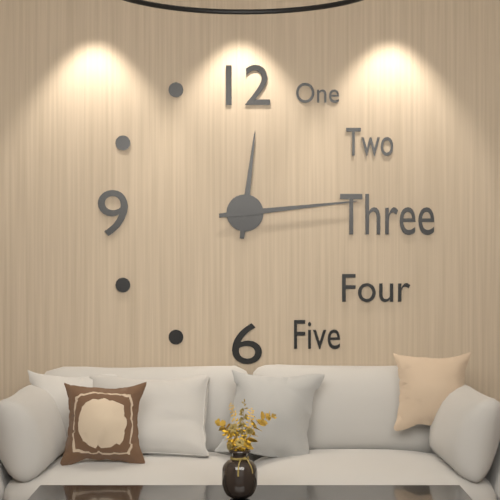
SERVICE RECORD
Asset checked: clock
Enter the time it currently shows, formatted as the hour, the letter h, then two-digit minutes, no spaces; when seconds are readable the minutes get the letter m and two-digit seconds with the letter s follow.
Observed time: 12h14
